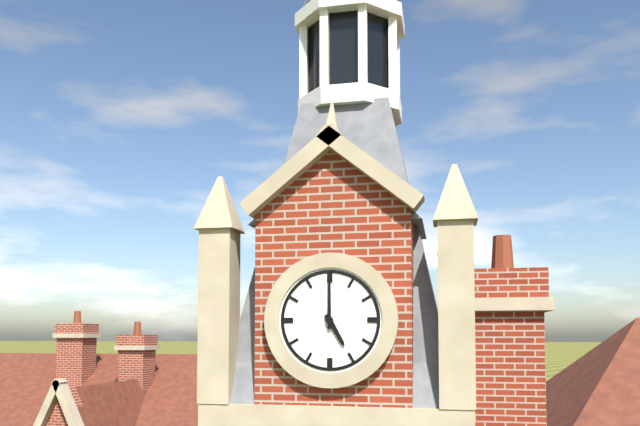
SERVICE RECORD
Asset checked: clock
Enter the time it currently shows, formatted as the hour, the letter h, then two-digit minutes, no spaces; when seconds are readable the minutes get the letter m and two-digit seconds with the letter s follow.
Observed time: 5h00
